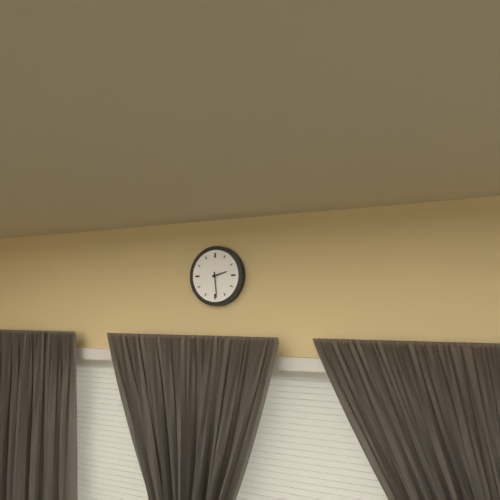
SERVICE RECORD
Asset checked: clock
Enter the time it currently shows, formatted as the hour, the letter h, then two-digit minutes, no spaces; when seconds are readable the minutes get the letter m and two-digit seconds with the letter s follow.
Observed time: 2h29
